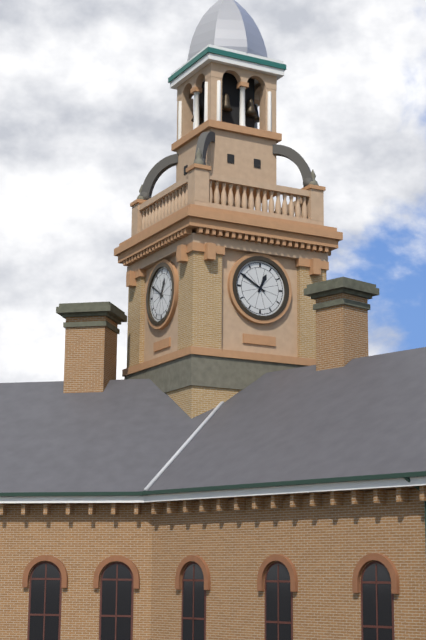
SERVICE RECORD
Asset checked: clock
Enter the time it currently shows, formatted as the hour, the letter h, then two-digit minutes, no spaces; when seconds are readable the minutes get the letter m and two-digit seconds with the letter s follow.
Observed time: 12h50
